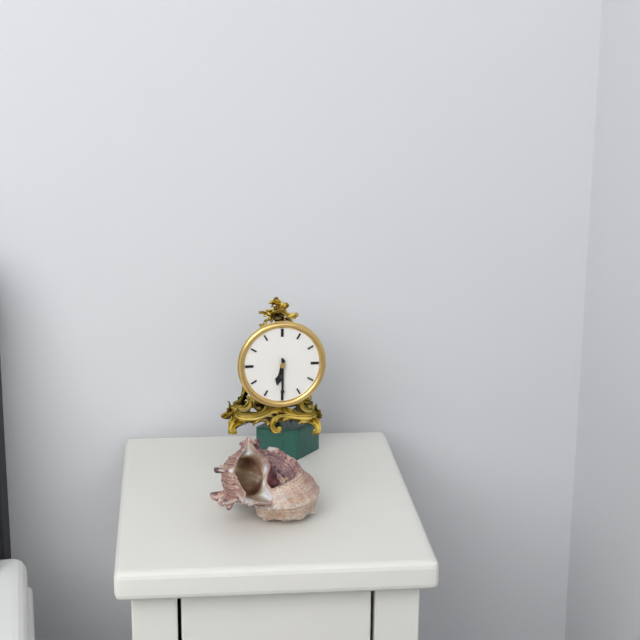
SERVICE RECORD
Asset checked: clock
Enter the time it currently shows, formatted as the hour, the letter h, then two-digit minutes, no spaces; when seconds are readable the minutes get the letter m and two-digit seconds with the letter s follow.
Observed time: 6h30
